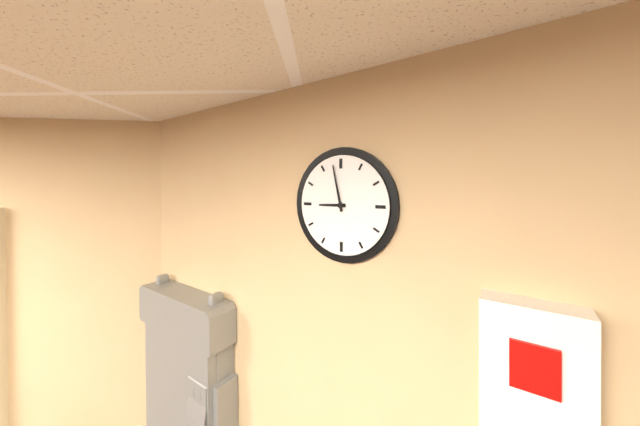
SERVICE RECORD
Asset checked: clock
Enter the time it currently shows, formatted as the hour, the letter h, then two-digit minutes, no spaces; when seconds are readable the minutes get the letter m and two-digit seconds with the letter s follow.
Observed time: 8h58
